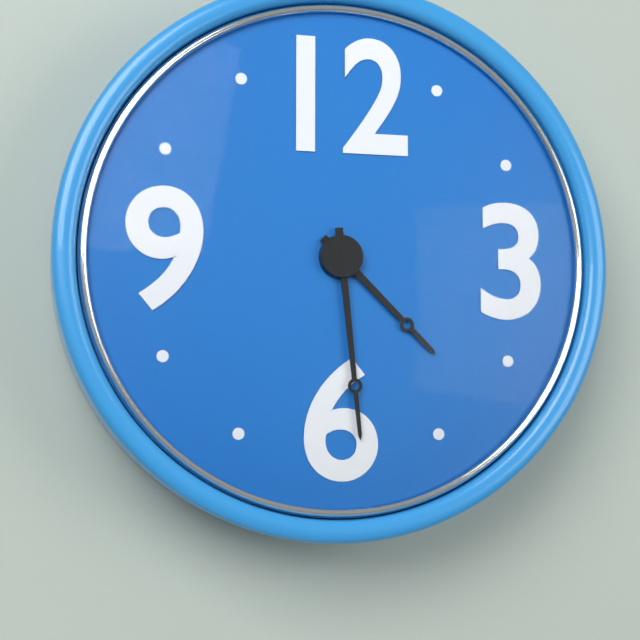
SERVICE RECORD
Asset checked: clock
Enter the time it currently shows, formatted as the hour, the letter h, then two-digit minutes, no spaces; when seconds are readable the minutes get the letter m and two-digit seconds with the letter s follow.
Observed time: 4h29
